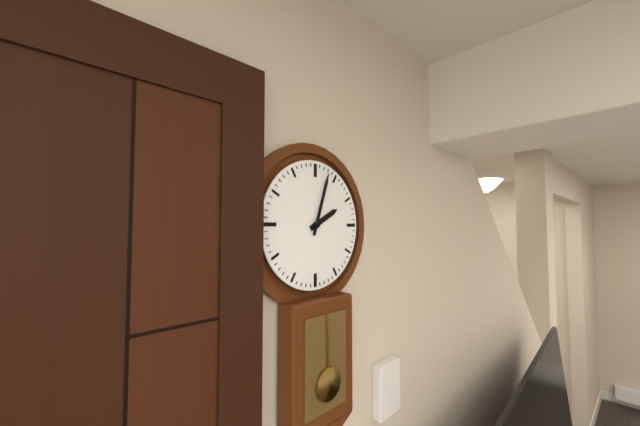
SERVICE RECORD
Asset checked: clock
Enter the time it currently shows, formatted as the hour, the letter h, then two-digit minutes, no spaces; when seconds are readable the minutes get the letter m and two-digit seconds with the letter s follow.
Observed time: 2h03
